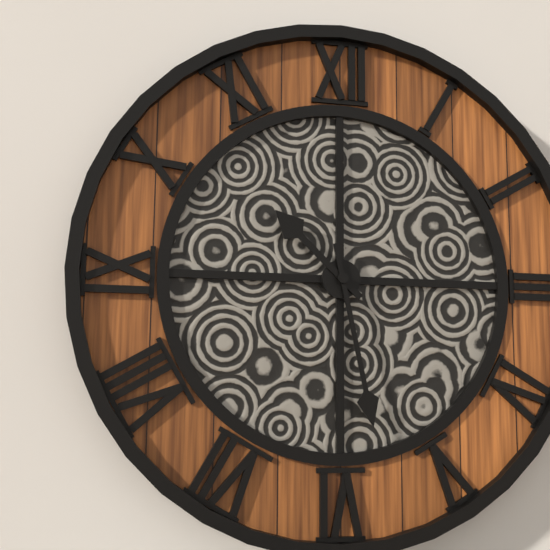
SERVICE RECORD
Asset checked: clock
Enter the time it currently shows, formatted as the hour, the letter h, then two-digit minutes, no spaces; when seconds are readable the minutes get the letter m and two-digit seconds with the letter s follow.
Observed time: 10h28
